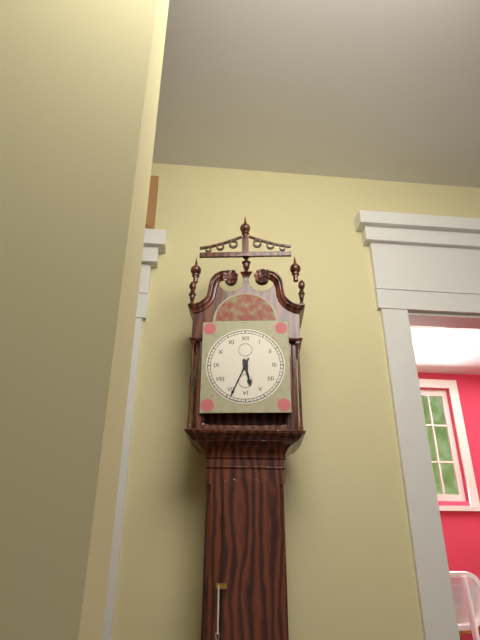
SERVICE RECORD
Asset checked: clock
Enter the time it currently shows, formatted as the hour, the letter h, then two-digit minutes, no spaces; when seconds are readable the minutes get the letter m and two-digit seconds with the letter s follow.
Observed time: 5h34
